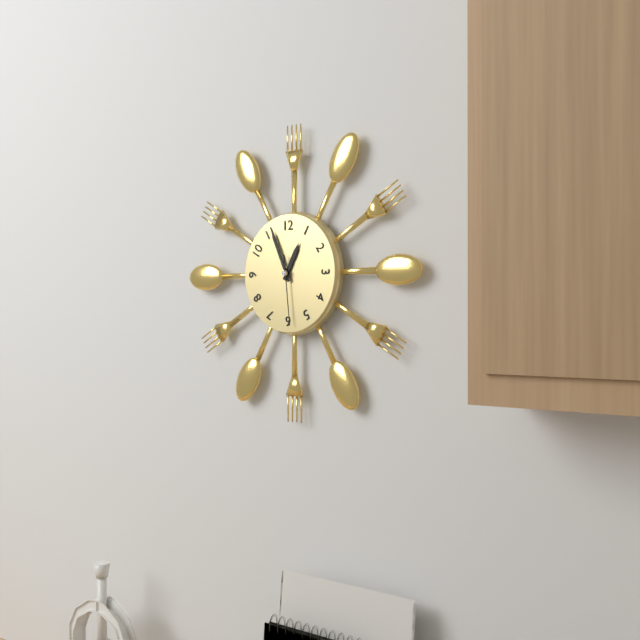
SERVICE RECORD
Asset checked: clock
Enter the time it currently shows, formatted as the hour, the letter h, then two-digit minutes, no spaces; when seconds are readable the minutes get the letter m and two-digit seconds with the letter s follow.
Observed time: 12h56m29s
